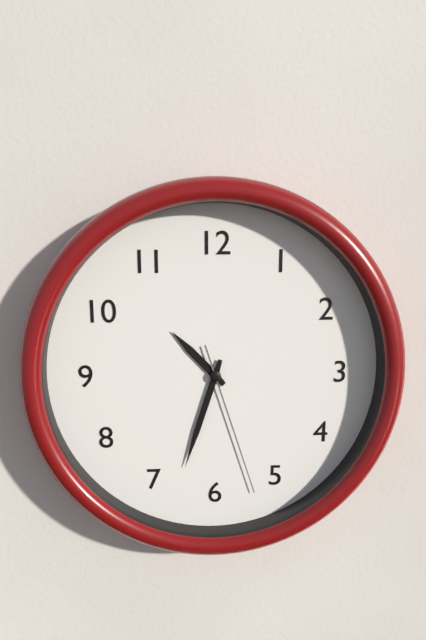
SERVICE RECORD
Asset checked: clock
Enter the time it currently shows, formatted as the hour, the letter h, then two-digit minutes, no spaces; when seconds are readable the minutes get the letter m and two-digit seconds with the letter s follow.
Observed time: 10h33m27s
